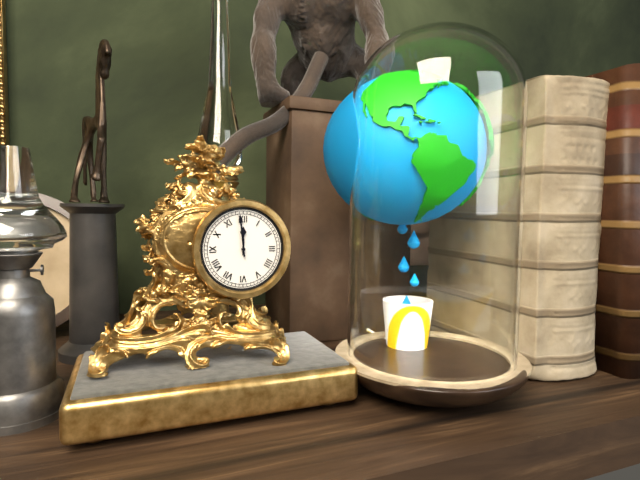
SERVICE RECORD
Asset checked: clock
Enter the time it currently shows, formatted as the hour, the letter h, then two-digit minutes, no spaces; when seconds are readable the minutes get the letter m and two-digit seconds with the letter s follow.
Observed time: 11h59
